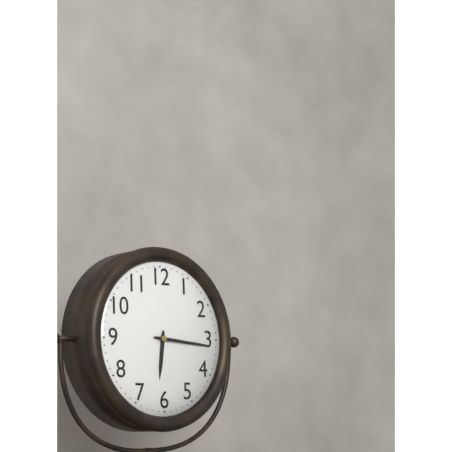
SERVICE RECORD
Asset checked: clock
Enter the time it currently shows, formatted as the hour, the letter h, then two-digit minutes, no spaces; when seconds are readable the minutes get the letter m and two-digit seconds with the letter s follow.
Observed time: 6h16
